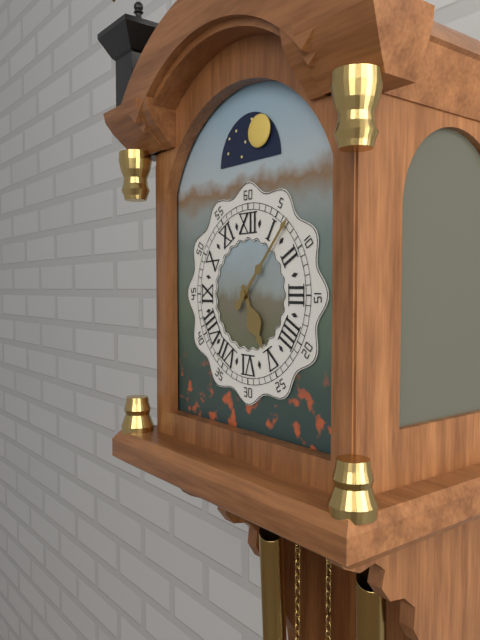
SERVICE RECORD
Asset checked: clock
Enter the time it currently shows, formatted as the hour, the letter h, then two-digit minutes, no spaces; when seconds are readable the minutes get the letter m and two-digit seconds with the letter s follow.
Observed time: 5h07
